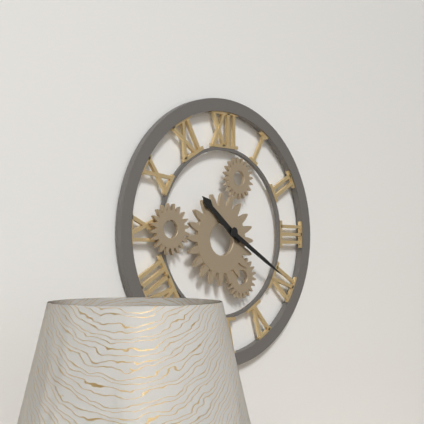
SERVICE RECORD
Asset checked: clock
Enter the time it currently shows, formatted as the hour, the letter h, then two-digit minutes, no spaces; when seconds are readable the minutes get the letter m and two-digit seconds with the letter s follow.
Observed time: 10h20
